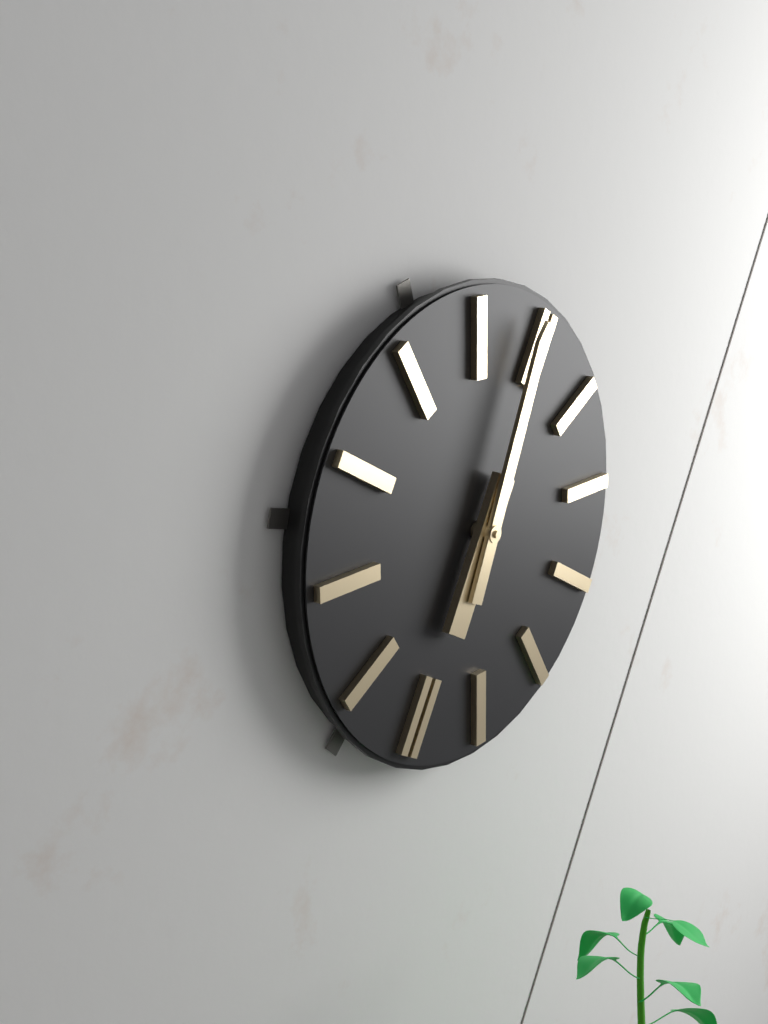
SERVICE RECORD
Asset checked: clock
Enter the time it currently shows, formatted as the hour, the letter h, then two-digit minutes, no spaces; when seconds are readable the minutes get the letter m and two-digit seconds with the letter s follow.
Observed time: 5h59
